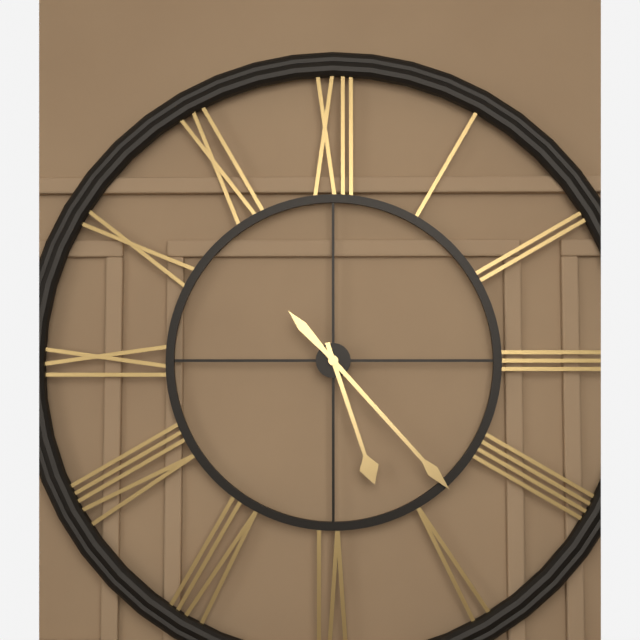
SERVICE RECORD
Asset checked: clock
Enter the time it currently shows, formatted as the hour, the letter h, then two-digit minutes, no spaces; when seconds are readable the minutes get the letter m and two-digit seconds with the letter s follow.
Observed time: 5h23
